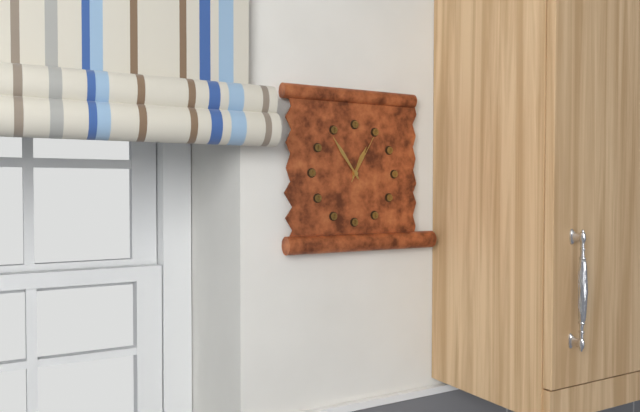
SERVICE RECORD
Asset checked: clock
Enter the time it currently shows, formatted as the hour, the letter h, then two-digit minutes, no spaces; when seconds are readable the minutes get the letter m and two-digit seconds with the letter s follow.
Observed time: 12h54m05s
